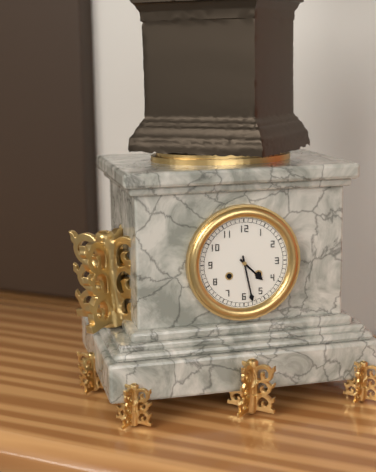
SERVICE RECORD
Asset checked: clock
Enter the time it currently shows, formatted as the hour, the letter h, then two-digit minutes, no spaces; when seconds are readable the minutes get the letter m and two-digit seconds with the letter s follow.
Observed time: 4h28
